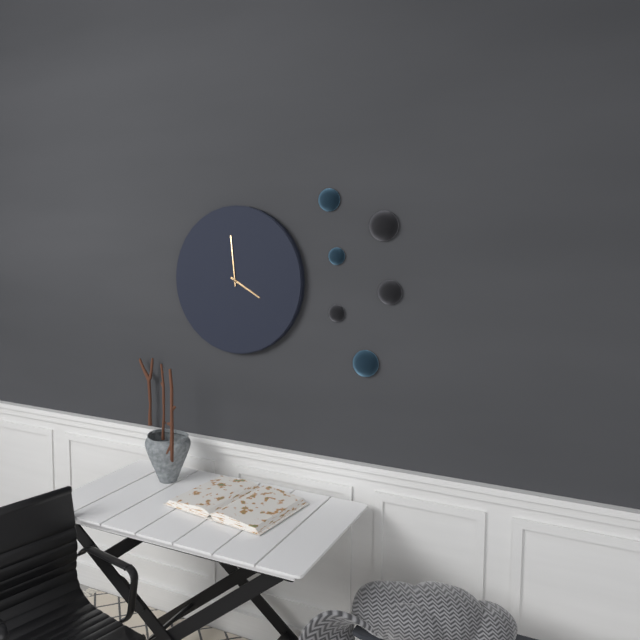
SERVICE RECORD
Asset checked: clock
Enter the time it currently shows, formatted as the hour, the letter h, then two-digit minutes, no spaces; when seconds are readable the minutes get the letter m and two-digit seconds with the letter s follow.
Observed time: 3h59
